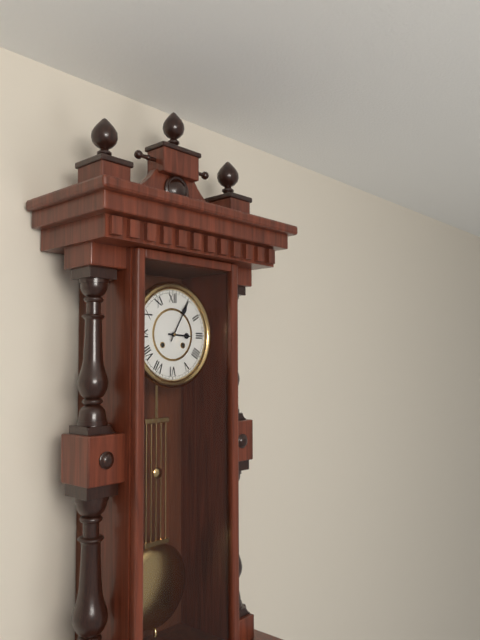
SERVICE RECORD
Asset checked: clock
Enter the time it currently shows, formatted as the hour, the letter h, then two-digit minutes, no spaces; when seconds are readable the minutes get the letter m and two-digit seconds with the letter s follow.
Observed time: 3h05
